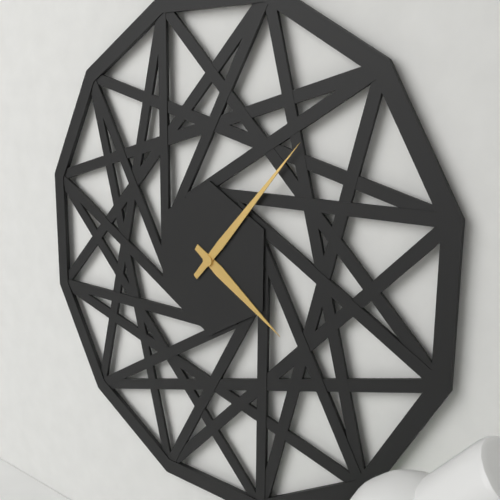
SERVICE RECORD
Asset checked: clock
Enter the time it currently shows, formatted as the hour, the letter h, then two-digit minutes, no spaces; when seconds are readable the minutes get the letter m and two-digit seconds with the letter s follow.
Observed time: 4h07
